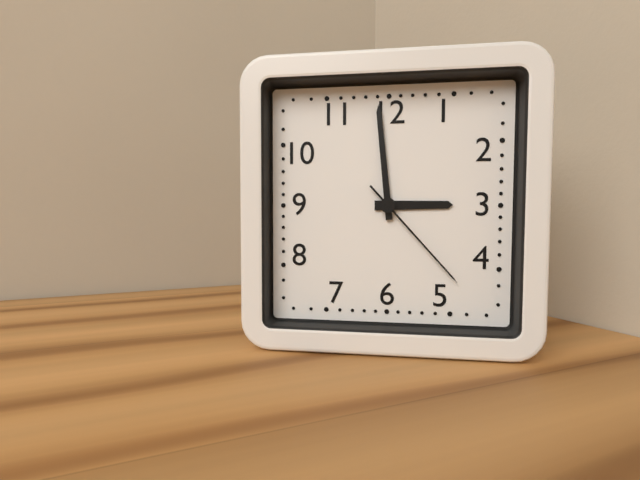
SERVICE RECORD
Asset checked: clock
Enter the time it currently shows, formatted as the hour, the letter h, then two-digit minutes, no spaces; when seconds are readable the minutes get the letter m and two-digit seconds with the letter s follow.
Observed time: 2h59m23s
